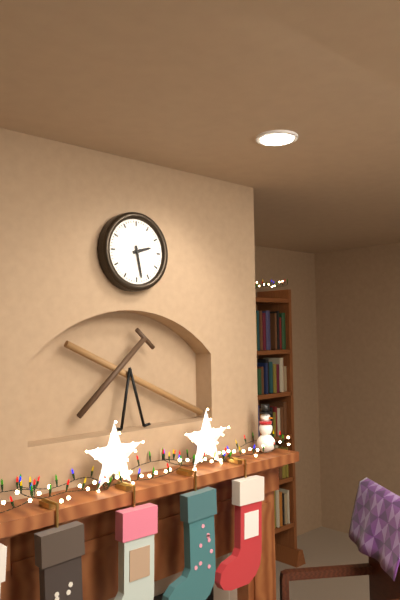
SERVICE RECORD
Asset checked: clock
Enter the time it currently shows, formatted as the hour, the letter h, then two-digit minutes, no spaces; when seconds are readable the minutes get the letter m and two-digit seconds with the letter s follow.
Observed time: 2h28
